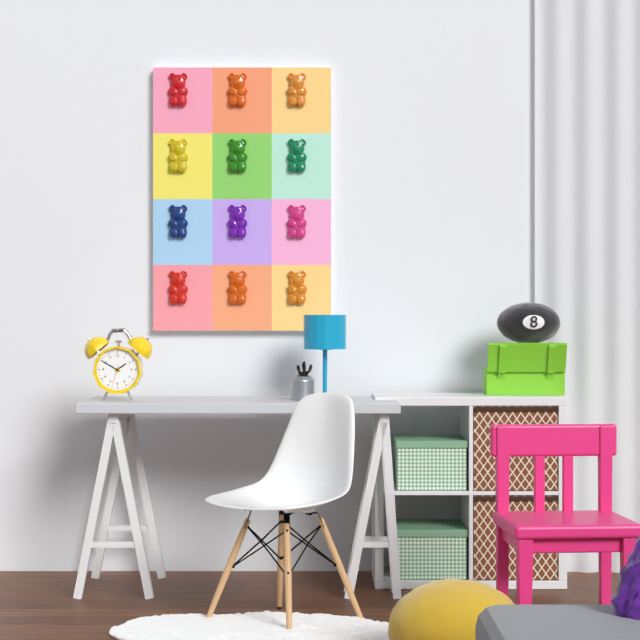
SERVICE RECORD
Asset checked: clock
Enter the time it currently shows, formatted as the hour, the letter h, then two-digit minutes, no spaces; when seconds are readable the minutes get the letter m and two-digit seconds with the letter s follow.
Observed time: 1h50
